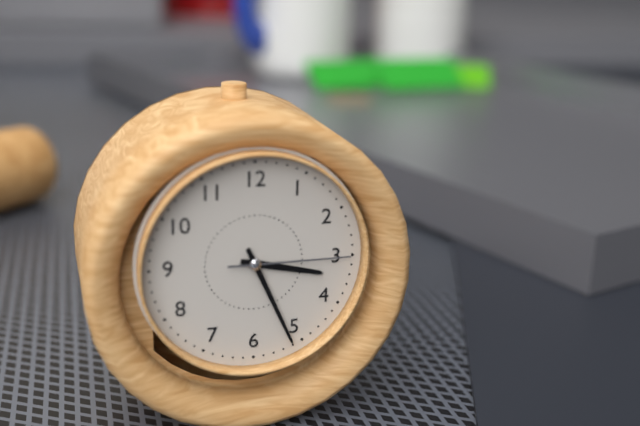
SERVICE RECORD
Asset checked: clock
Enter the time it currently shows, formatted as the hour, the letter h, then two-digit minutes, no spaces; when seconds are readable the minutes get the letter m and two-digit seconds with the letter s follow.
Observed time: 3h26m15s
